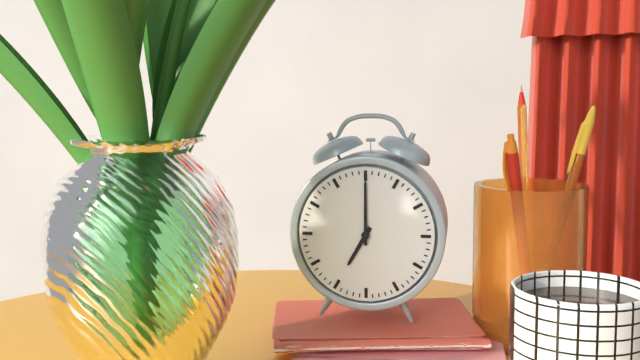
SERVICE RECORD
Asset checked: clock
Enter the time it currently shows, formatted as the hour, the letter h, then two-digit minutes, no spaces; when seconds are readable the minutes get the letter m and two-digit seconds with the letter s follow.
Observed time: 7h00
